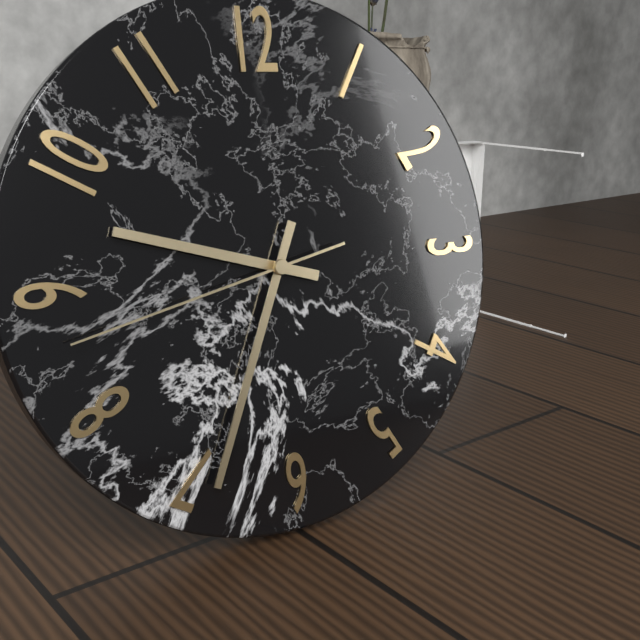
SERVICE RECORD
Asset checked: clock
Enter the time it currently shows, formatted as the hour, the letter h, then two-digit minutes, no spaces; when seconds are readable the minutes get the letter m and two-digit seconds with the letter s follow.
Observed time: 9h34m43s
